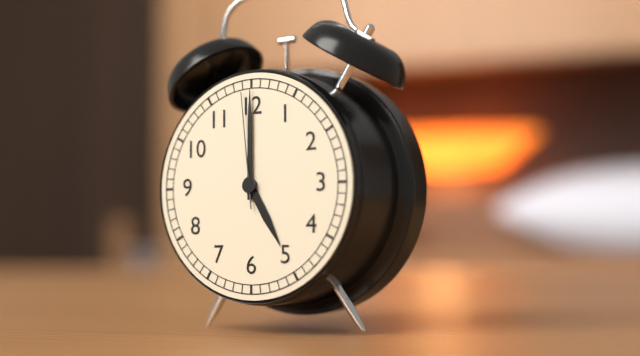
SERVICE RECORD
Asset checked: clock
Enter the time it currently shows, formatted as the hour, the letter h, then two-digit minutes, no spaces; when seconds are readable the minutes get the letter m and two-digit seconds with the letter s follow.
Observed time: 5h00m59s
